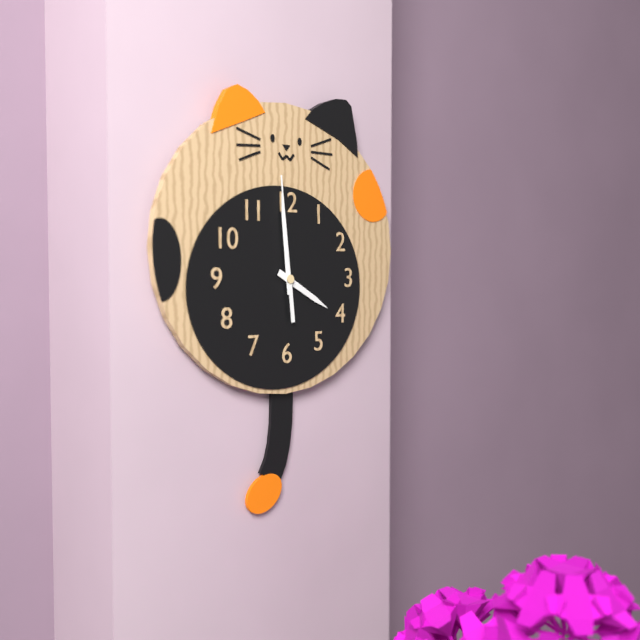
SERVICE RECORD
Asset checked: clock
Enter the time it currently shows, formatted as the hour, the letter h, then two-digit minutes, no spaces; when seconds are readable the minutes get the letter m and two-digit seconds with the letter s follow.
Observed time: 3h59m59s
